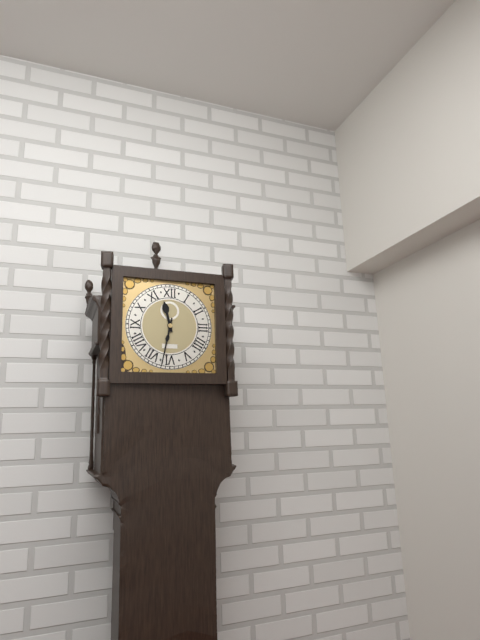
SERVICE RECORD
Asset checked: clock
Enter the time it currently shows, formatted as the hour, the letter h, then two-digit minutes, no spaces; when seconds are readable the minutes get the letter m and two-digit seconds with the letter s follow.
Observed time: 11h32
